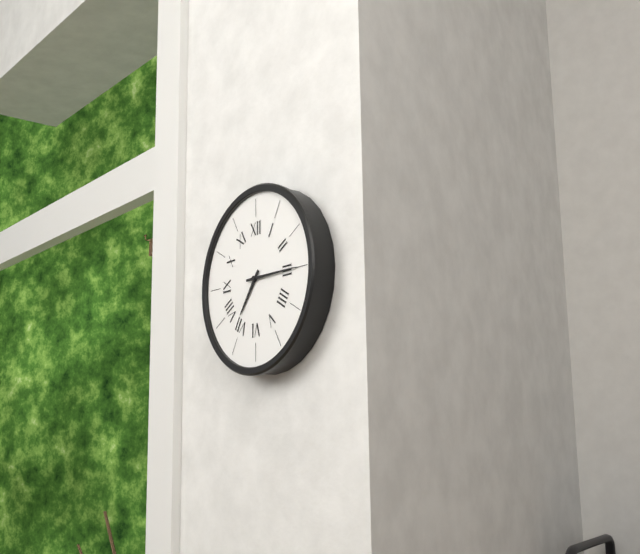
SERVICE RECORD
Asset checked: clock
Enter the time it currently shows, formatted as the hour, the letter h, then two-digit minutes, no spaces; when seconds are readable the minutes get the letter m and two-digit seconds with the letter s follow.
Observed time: 7h15
